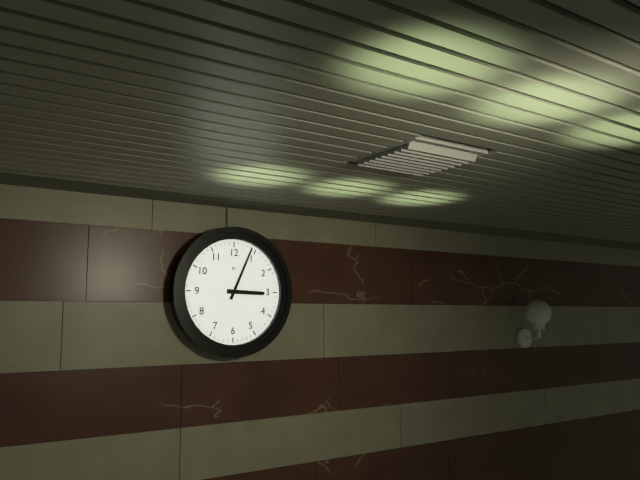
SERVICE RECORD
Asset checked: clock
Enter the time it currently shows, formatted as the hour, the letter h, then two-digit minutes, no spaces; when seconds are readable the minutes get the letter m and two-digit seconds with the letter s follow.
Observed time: 3h04
